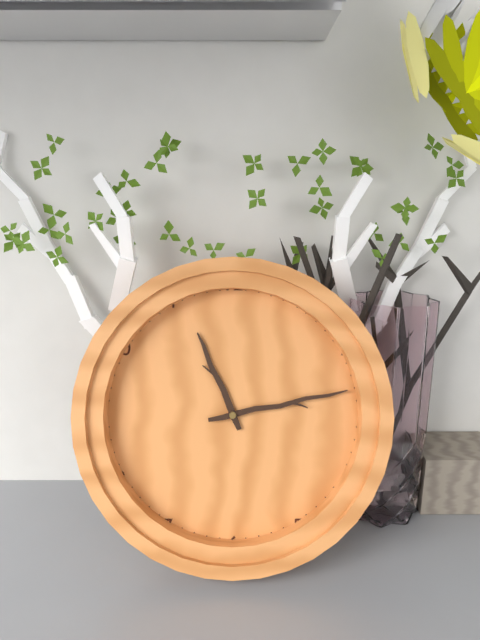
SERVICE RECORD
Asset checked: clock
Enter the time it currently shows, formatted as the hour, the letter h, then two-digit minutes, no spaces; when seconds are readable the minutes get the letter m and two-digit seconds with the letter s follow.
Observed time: 11h13
